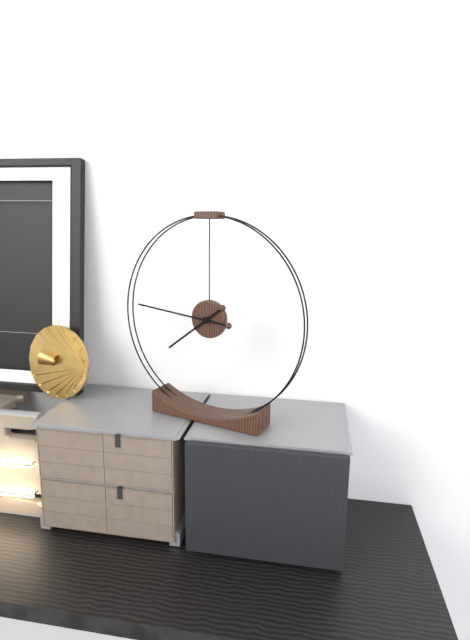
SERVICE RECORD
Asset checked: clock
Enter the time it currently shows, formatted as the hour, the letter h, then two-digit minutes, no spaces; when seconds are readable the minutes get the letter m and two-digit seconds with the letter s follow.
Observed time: 7h46
